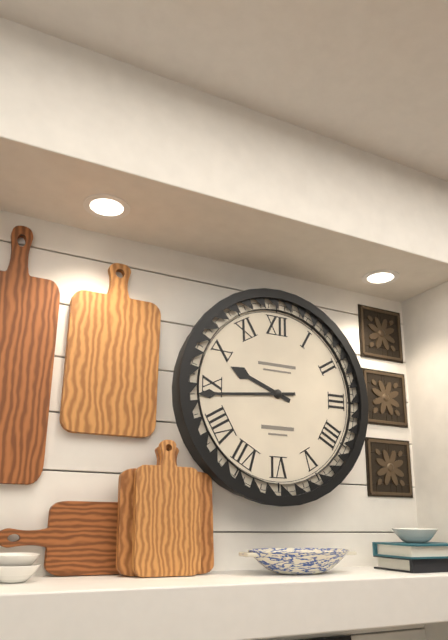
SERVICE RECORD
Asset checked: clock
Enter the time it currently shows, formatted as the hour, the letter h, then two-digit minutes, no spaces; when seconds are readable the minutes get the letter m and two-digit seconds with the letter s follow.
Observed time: 9h44
